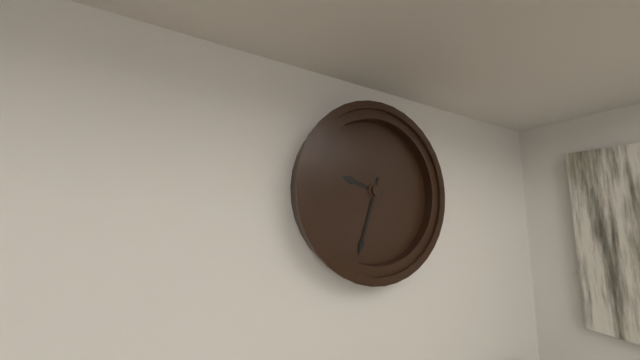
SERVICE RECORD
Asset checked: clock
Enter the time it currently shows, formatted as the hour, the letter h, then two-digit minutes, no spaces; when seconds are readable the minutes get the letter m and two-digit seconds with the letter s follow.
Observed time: 9h33
